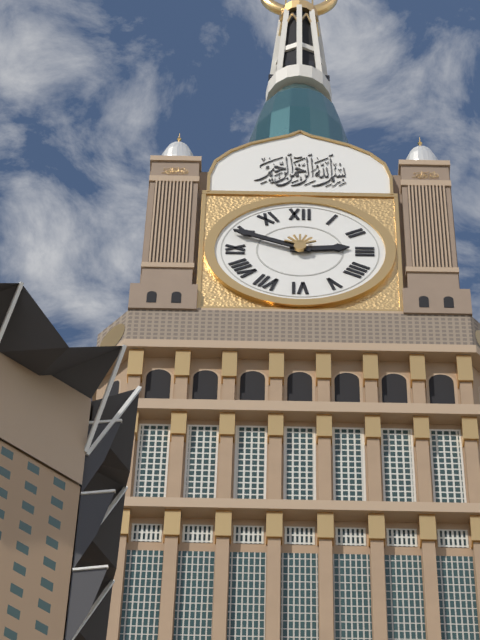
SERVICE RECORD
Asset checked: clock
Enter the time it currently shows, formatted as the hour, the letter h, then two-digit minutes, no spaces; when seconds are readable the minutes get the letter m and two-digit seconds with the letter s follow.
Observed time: 2h49
